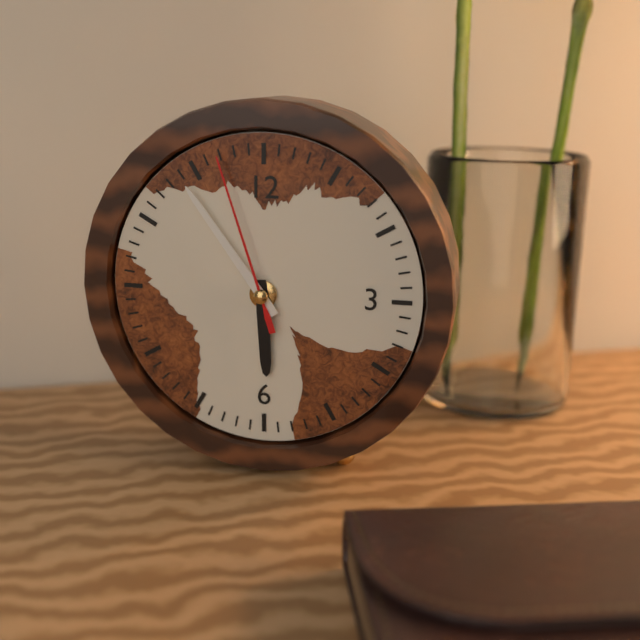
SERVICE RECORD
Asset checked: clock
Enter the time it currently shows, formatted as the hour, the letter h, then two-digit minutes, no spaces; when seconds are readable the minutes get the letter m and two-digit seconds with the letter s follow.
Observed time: 5h54m57s
